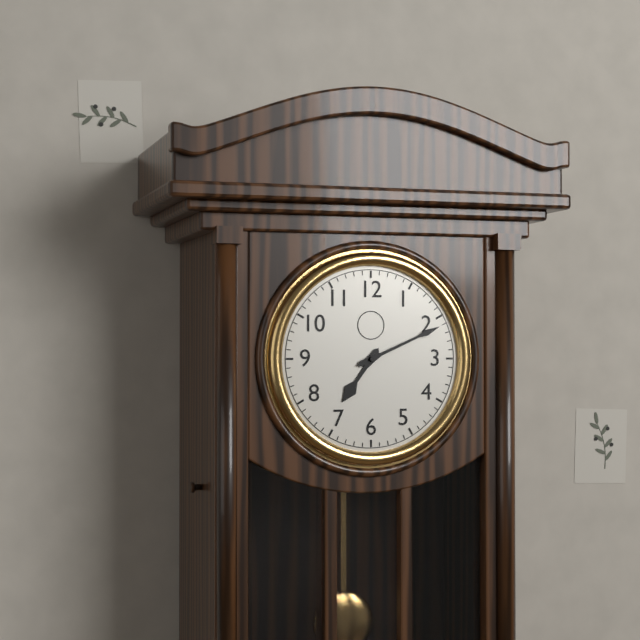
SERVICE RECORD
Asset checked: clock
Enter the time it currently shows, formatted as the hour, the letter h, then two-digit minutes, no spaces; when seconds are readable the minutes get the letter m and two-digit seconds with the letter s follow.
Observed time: 7h11
